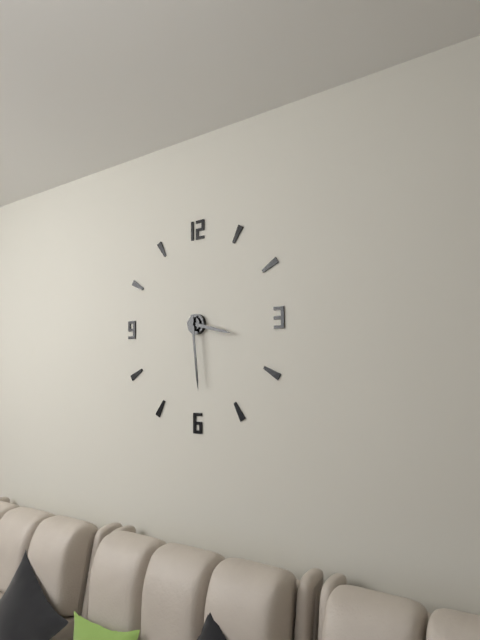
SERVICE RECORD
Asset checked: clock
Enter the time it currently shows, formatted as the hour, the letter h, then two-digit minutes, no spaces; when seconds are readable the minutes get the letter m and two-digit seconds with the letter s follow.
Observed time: 3h29
